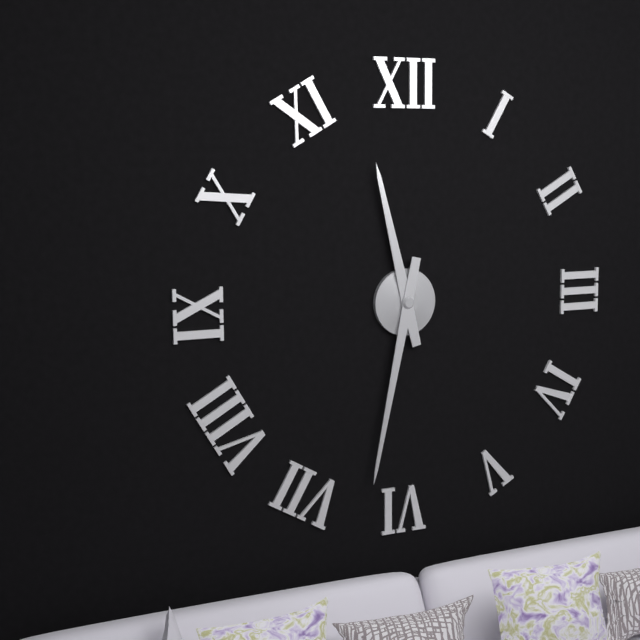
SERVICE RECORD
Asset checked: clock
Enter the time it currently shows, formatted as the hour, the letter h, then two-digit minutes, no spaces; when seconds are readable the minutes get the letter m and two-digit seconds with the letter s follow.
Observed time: 11h32
